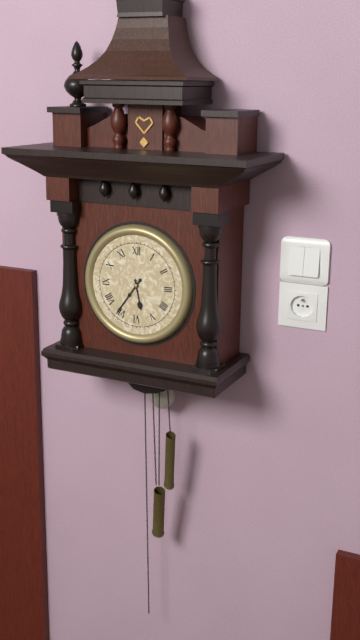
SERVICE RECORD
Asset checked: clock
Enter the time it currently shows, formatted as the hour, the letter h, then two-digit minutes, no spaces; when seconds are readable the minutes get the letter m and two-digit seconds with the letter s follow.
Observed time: 5h36
